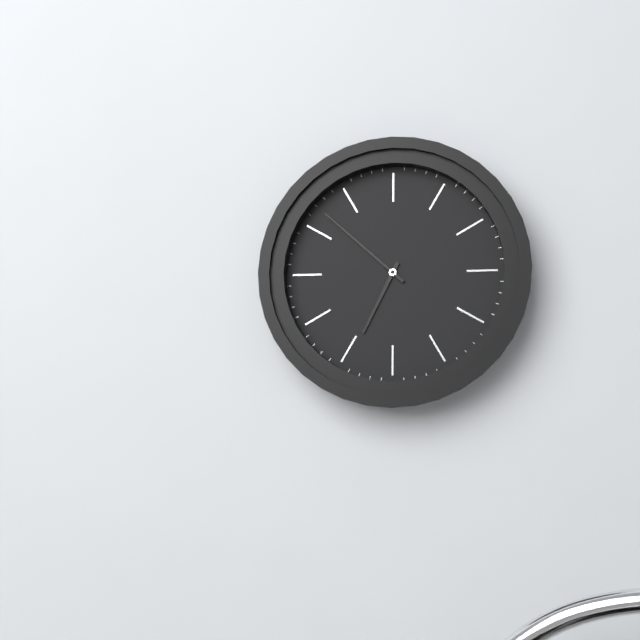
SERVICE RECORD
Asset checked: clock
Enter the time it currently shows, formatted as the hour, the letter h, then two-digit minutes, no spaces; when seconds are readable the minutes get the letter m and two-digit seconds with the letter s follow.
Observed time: 6h52
